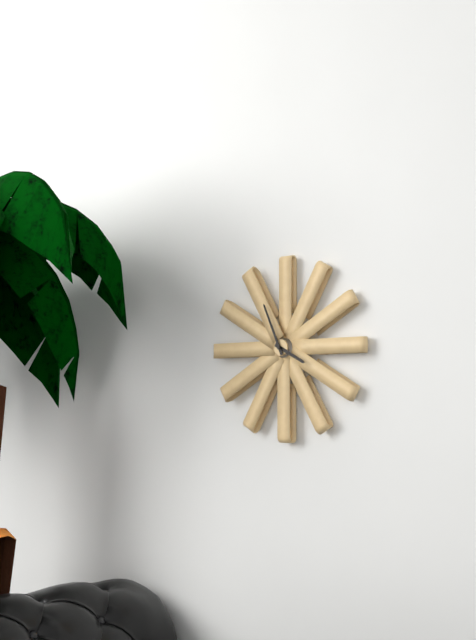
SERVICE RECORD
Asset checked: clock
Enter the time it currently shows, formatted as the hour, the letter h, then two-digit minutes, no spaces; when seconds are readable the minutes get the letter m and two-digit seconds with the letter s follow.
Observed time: 3h56
